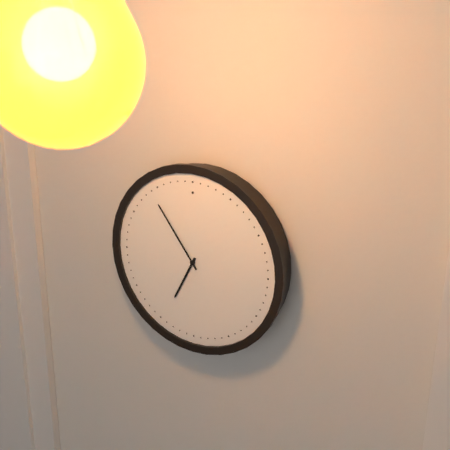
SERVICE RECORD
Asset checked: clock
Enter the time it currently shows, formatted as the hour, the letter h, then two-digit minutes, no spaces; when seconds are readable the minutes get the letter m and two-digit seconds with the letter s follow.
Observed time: 6h54
